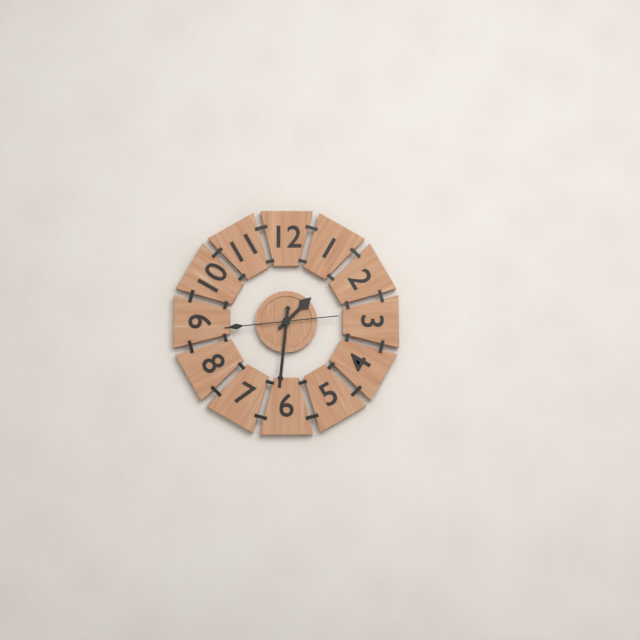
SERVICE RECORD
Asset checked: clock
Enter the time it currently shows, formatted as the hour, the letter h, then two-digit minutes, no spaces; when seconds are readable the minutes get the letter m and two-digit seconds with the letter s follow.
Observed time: 1h31m44s
